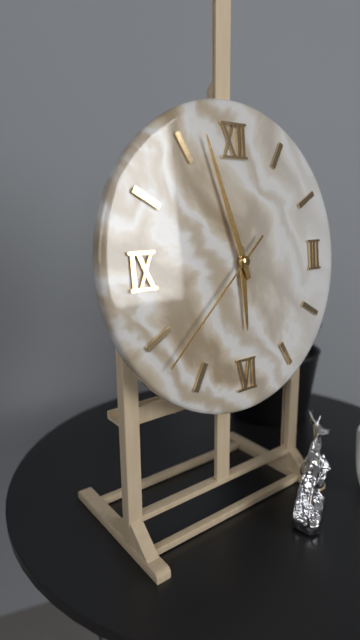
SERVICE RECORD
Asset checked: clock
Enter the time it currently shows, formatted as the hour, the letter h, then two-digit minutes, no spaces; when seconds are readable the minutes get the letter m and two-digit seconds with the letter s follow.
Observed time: 5h57m38s
